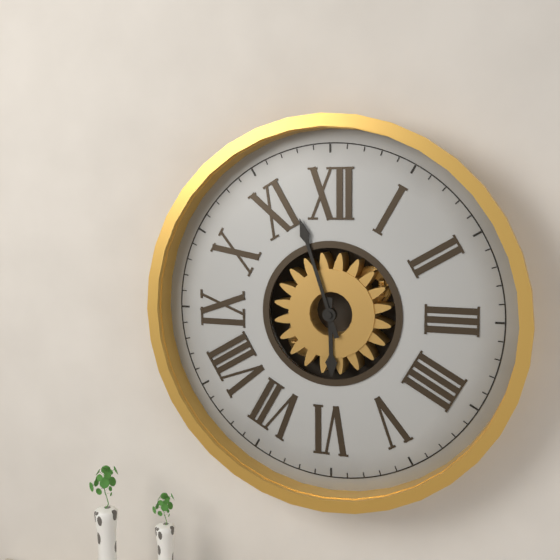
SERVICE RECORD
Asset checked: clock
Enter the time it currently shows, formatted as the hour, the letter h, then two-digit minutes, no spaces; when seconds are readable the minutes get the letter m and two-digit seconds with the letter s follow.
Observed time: 5h57
